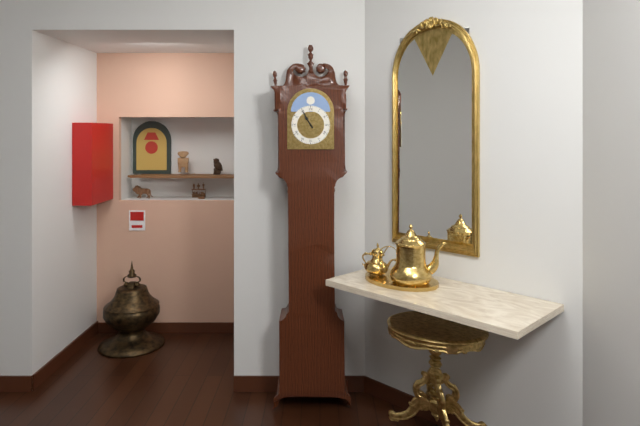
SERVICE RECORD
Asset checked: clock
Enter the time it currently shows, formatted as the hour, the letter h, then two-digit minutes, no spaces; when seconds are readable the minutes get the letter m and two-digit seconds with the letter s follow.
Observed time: 10h55
